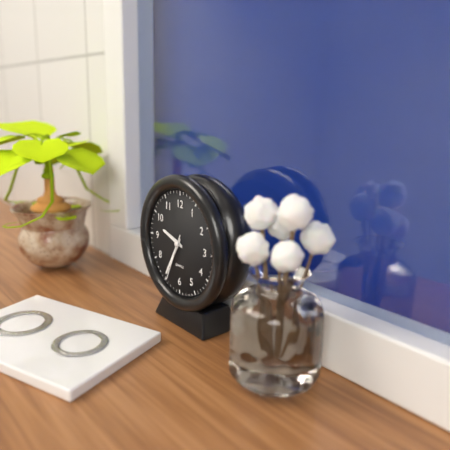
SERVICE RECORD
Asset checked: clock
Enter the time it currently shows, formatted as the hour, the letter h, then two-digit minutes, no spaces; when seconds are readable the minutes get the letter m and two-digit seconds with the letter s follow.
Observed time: 9h35
